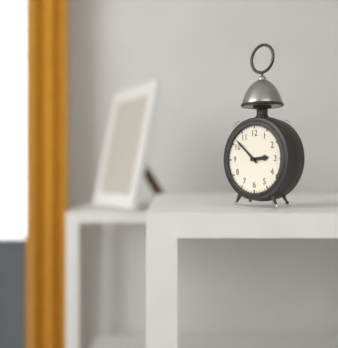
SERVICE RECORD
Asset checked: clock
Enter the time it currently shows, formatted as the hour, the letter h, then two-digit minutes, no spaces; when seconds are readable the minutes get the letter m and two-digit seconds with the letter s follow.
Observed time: 2h52
